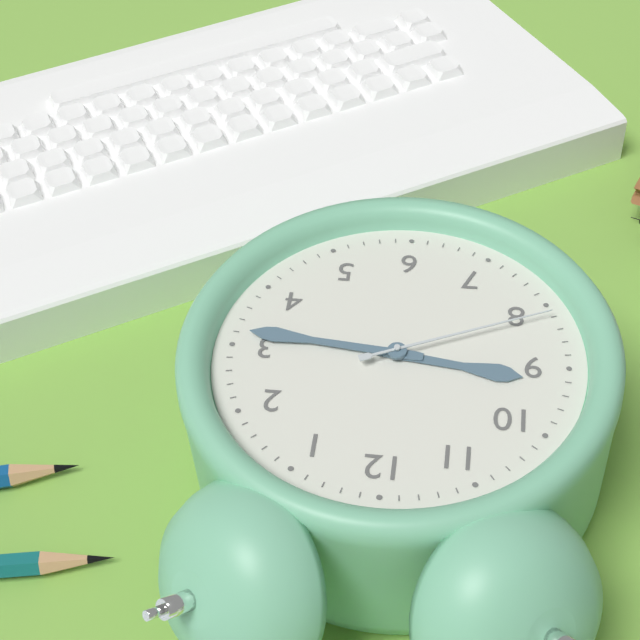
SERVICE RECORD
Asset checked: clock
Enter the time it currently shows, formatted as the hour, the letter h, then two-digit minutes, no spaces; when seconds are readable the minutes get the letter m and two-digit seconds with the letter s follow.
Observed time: 9h16m41s
